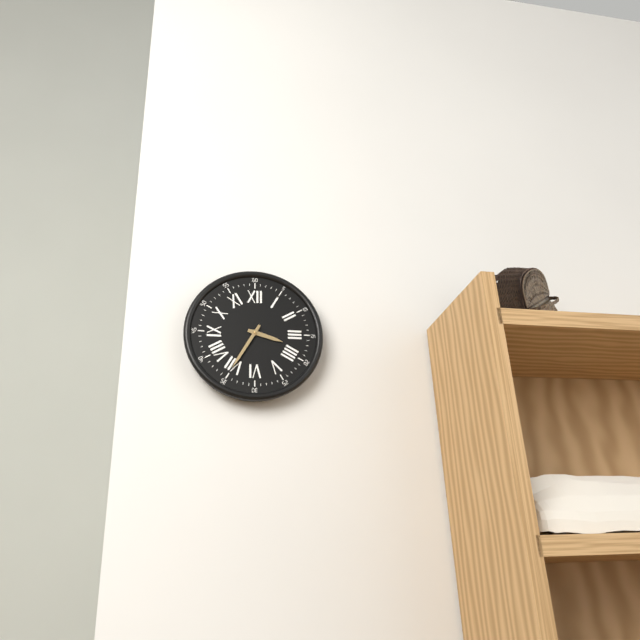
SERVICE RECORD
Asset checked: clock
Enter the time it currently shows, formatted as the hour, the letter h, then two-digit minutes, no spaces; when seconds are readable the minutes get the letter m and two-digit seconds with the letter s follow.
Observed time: 3h35
